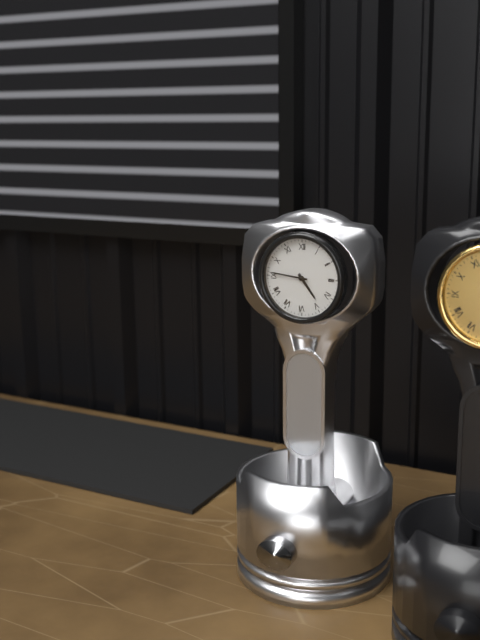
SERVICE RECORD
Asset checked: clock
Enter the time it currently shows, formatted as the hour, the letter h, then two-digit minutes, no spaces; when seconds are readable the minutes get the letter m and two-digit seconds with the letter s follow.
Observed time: 4h46
